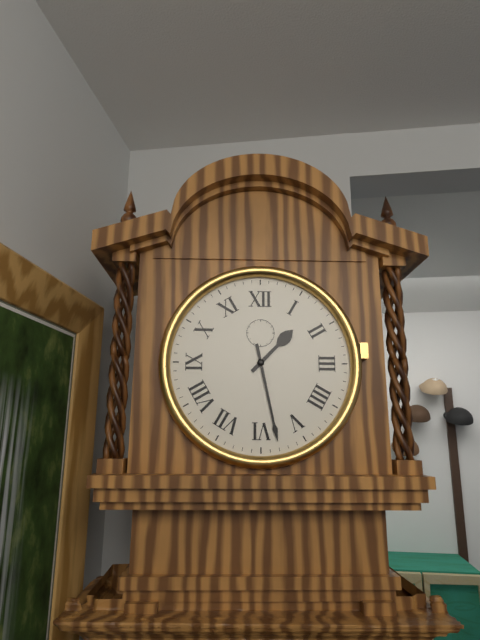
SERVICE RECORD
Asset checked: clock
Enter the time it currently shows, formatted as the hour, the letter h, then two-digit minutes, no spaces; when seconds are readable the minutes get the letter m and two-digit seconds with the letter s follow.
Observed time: 1h28
